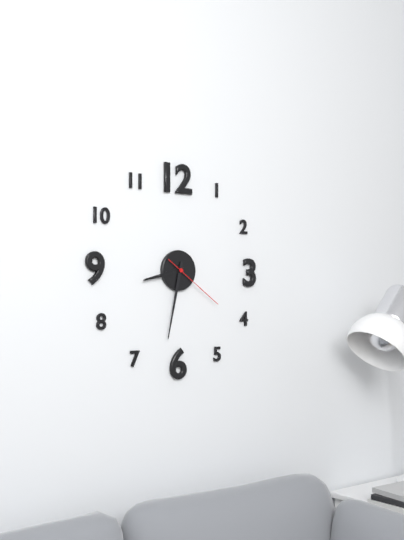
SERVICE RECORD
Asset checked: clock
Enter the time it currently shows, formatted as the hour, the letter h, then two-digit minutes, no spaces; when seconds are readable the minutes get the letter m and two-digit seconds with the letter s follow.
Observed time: 8h32m21s
